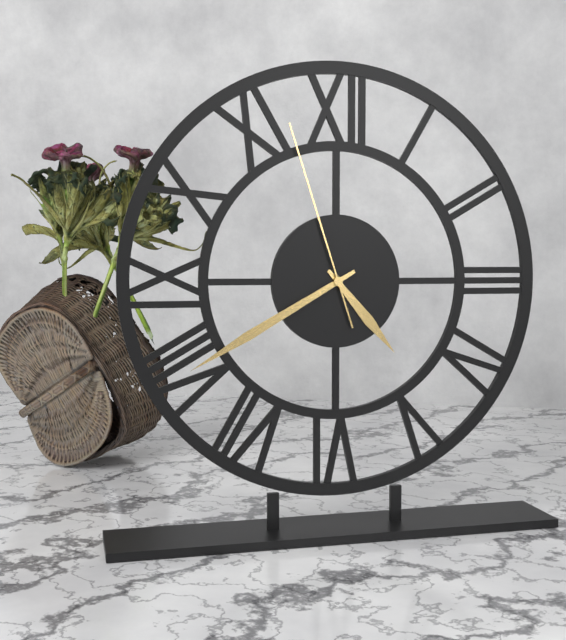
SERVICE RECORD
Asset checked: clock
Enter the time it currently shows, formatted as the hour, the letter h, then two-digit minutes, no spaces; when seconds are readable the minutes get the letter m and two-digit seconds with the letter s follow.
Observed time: 4h40m57s
